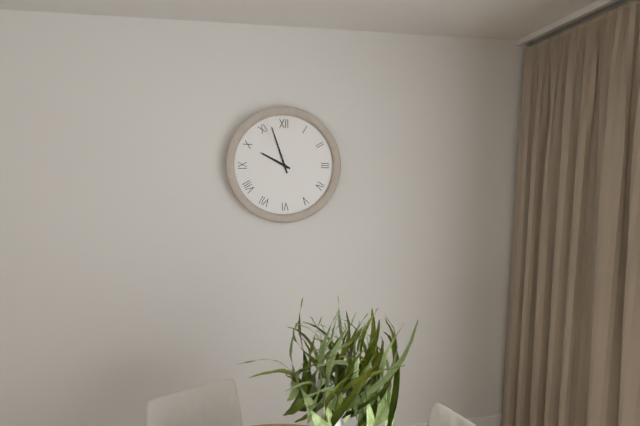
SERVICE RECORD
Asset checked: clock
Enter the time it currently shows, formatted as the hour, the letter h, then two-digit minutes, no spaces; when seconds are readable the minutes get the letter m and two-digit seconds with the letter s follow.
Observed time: 9h57
